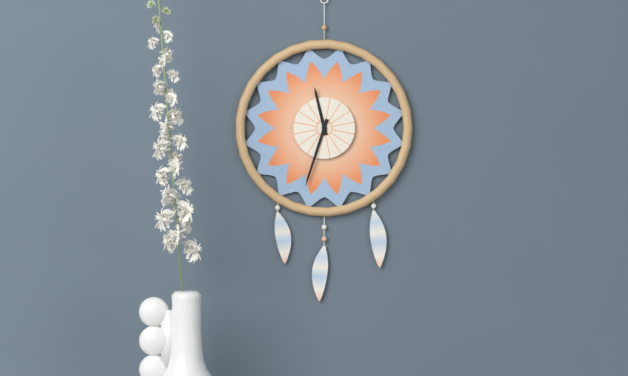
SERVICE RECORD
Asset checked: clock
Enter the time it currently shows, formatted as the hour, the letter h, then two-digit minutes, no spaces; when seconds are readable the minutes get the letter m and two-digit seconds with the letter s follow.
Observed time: 11h33
